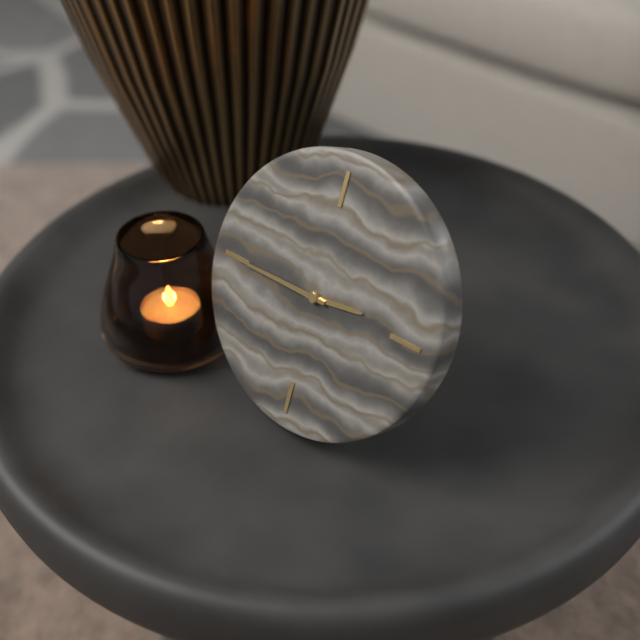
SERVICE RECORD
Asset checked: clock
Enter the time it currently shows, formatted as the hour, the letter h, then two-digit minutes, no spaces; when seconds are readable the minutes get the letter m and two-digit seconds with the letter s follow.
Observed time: 2h45
